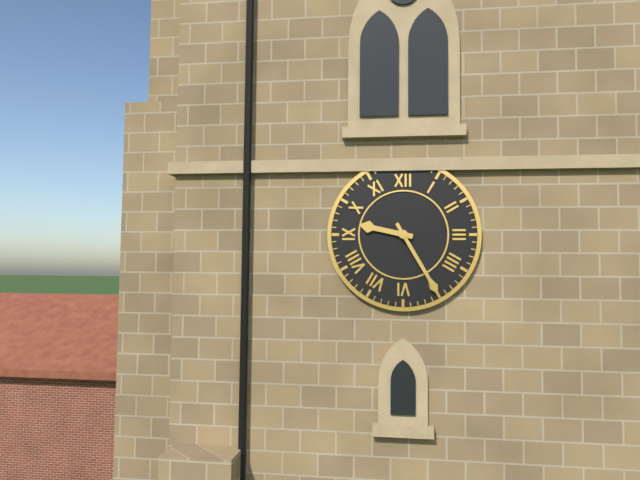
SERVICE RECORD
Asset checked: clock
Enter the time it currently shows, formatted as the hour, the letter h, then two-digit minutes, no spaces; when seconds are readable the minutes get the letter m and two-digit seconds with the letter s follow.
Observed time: 9h25
